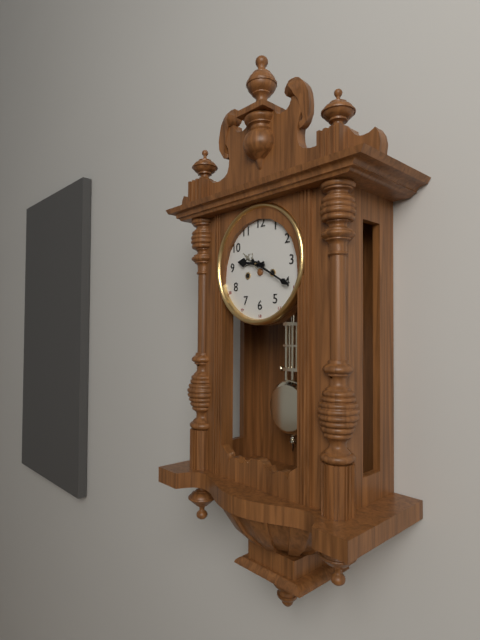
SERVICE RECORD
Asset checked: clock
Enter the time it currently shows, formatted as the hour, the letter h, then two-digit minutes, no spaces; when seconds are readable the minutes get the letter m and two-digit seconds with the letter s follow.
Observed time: 9h20
